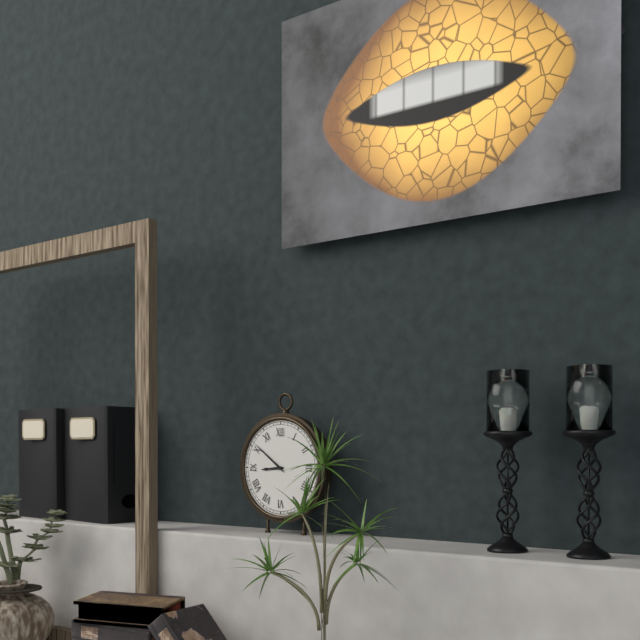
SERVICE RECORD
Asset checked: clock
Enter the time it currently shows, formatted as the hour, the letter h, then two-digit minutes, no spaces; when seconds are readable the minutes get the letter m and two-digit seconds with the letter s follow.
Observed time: 8h51
